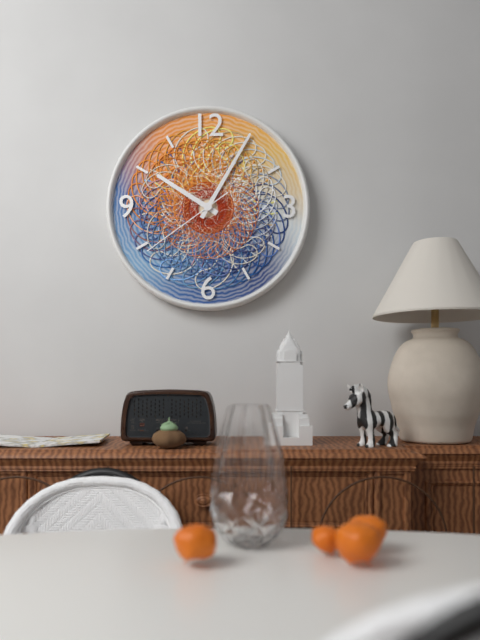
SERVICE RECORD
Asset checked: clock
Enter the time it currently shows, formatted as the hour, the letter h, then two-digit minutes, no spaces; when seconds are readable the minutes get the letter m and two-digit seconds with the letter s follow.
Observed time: 10h05m39s
